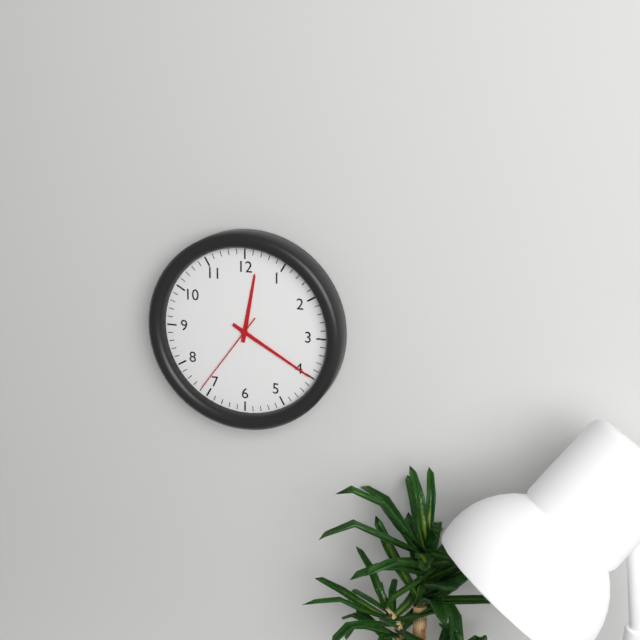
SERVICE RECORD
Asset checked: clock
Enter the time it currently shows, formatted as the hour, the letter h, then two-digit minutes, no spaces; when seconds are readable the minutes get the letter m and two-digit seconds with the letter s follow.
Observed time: 12h20m36s
